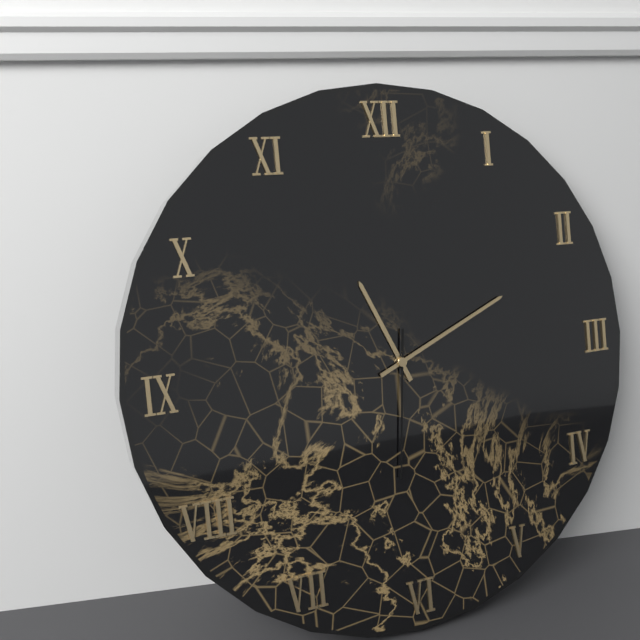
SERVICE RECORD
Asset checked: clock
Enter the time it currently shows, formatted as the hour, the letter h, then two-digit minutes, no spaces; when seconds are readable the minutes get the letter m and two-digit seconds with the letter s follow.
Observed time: 11h11m31s
